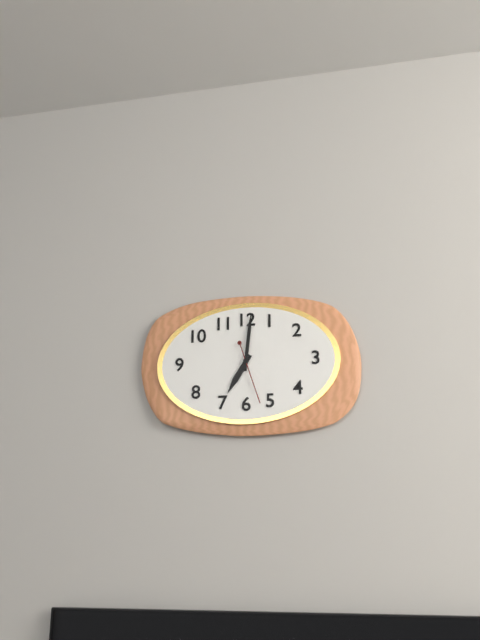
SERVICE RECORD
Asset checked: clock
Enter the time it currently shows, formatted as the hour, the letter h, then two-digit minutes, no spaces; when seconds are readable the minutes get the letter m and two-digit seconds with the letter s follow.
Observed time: 7h01m27s
